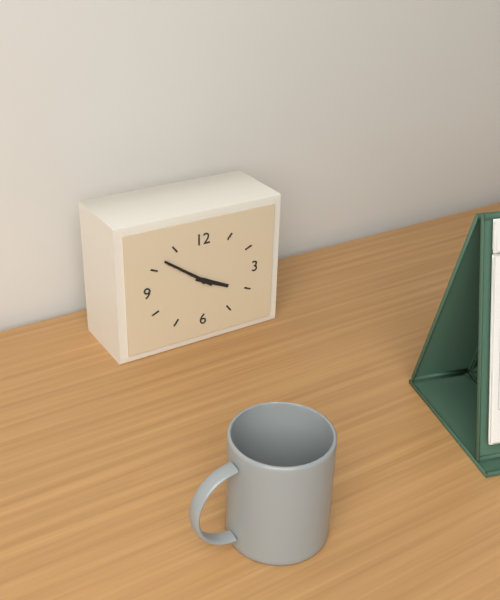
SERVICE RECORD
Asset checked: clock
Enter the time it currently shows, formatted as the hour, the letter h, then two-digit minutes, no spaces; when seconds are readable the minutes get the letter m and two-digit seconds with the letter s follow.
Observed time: 3h51
